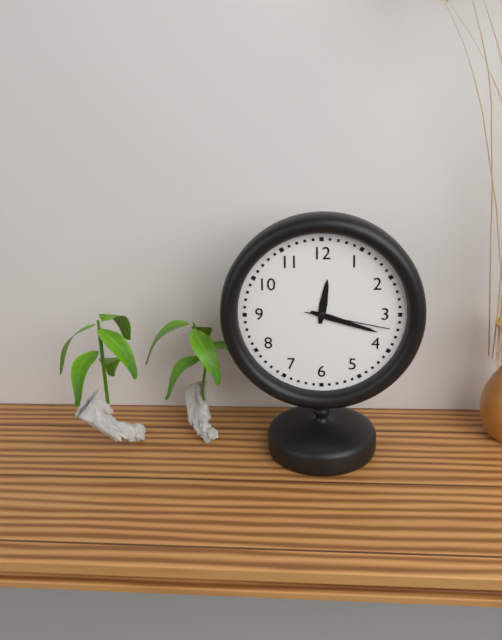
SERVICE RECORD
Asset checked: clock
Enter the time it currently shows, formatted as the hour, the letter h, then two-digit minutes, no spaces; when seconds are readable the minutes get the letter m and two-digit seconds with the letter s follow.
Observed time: 12h18m17s
